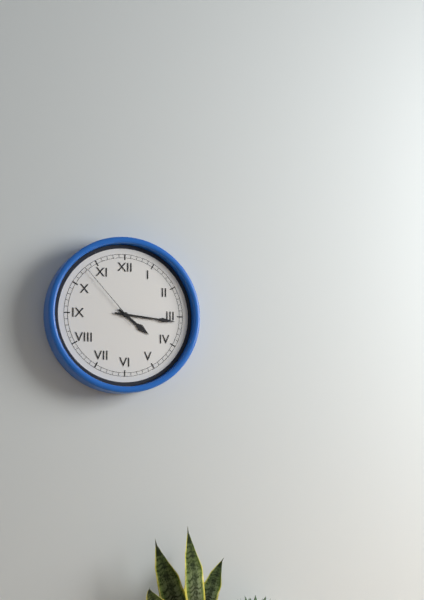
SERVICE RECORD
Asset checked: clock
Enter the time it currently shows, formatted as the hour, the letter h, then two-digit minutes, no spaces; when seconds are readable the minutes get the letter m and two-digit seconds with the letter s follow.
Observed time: 4h16m53s
